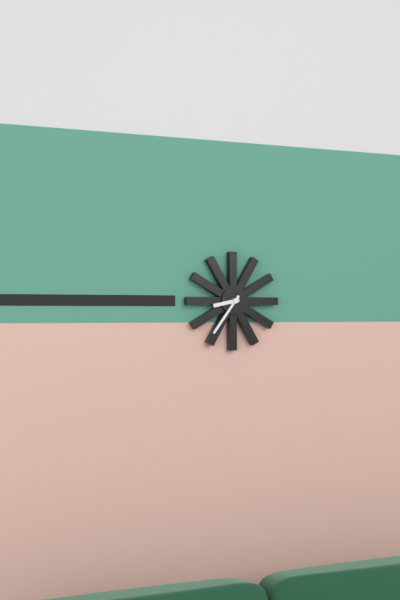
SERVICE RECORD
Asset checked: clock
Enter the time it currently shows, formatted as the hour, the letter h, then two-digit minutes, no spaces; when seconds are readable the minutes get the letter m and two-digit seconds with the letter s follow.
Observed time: 8h36
